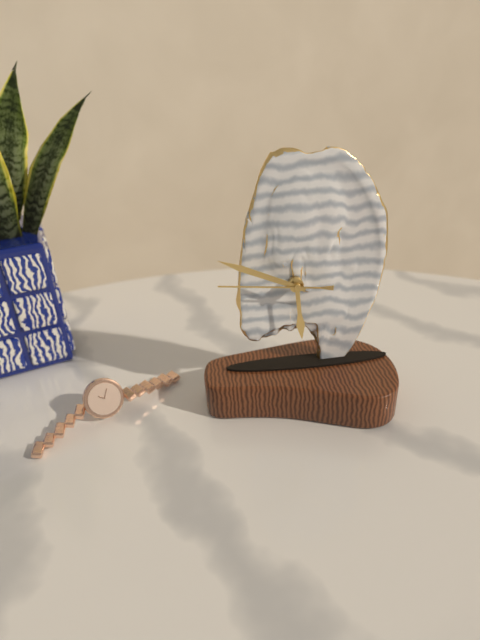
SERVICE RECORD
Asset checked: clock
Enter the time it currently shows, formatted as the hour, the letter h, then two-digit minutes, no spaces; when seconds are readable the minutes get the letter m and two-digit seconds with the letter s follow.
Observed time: 5h49m46s
